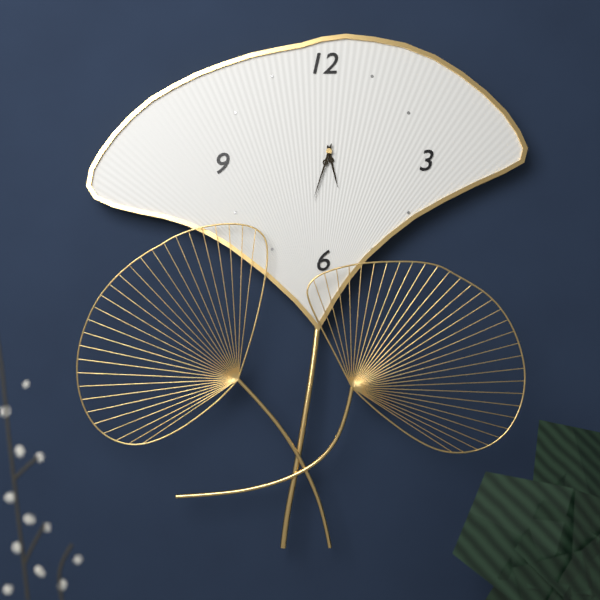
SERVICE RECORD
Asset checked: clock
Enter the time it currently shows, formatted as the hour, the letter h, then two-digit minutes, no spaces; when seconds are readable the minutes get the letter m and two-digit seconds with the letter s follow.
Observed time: 5h33
